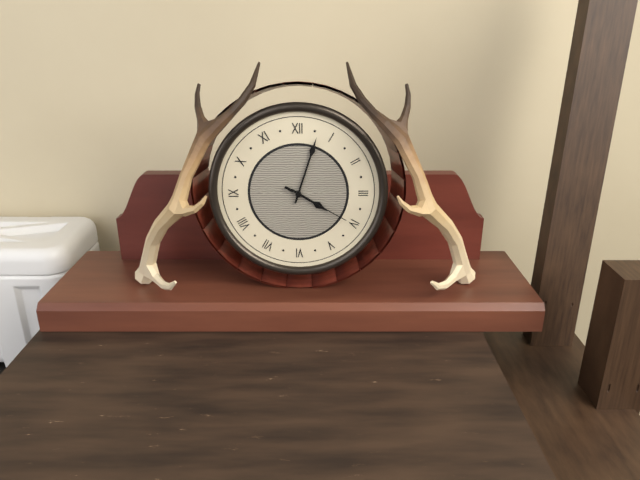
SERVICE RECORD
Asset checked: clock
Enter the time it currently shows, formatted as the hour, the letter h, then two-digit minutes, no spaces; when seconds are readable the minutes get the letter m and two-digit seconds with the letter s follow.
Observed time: 4h03m20s
